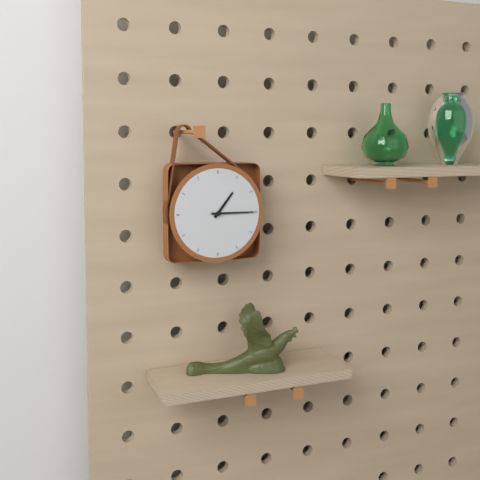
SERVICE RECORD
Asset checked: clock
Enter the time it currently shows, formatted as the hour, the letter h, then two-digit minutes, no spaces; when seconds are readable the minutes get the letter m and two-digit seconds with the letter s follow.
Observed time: 1h15
